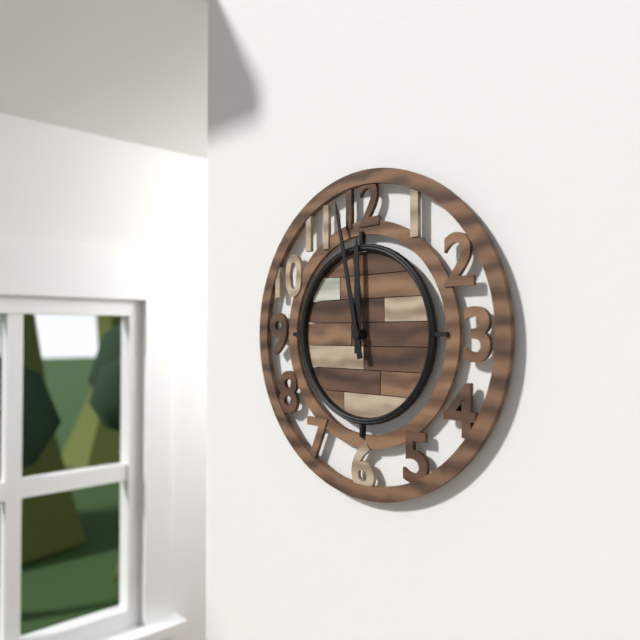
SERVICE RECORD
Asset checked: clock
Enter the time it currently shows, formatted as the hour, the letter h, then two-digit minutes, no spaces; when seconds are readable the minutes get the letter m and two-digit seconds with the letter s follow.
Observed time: 11h58
